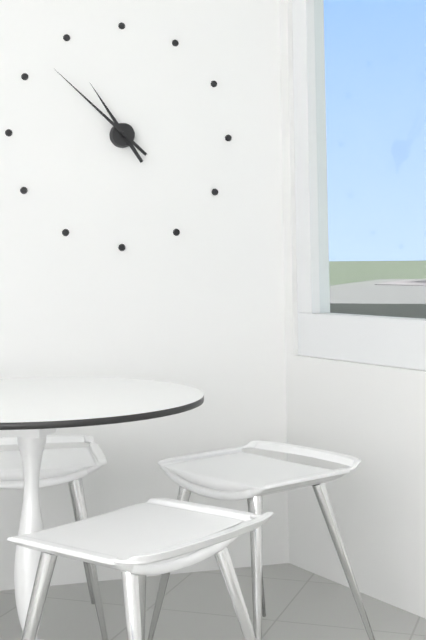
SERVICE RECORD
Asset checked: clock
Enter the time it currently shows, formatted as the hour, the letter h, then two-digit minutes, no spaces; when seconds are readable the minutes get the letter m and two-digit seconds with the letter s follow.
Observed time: 10h52
